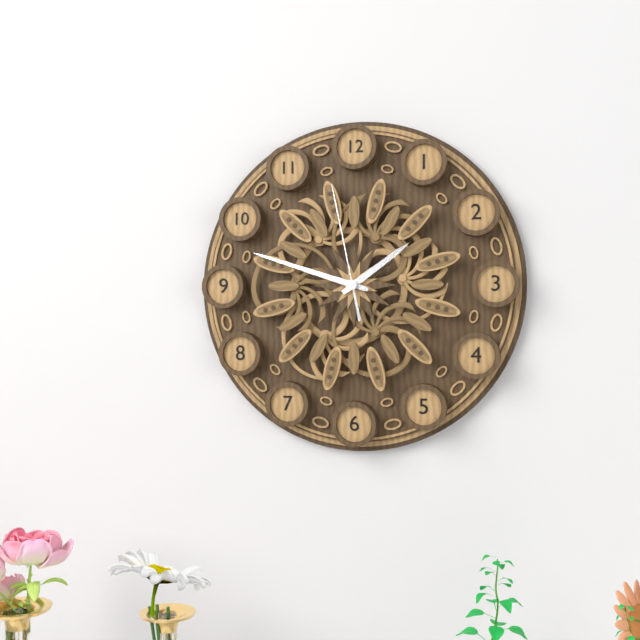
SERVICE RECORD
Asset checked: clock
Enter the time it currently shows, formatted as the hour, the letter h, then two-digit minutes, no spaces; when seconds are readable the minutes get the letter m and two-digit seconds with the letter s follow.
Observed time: 1h48m58s
